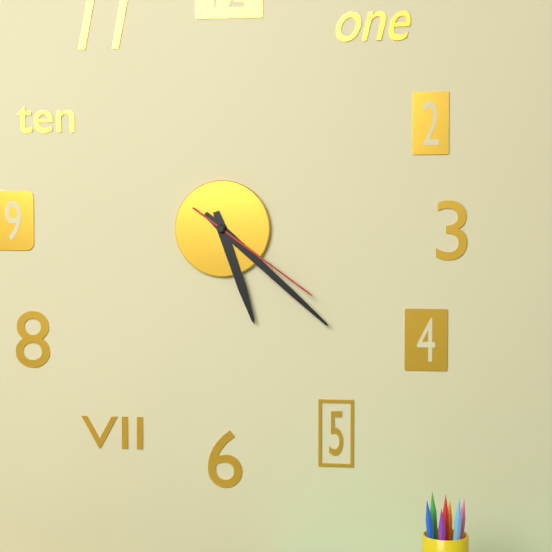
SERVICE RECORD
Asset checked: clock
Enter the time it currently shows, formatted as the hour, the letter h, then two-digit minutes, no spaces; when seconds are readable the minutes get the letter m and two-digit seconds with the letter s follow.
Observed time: 5h22m21s
